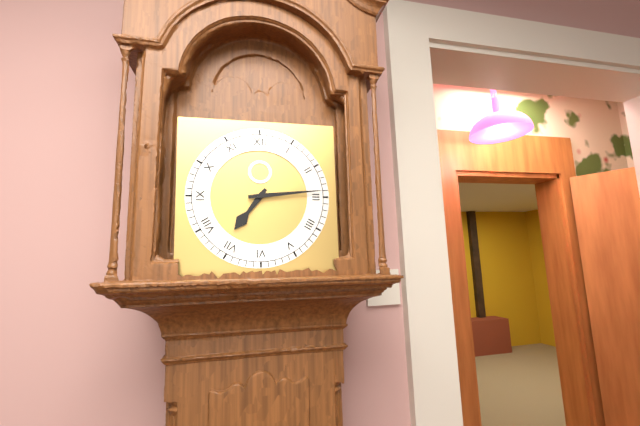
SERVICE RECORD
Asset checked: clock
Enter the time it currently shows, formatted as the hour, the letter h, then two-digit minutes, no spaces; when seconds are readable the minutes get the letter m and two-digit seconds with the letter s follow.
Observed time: 7h14
